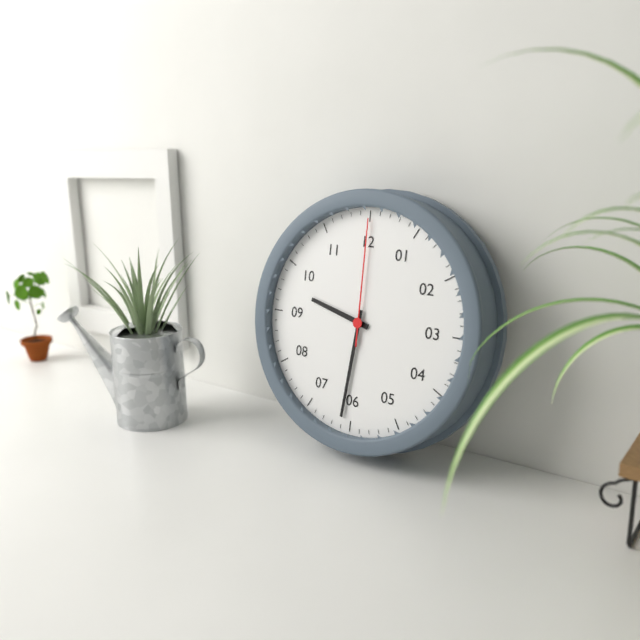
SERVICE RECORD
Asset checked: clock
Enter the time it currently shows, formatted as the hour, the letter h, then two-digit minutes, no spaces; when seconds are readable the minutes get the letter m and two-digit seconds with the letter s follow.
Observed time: 9h31m00s
